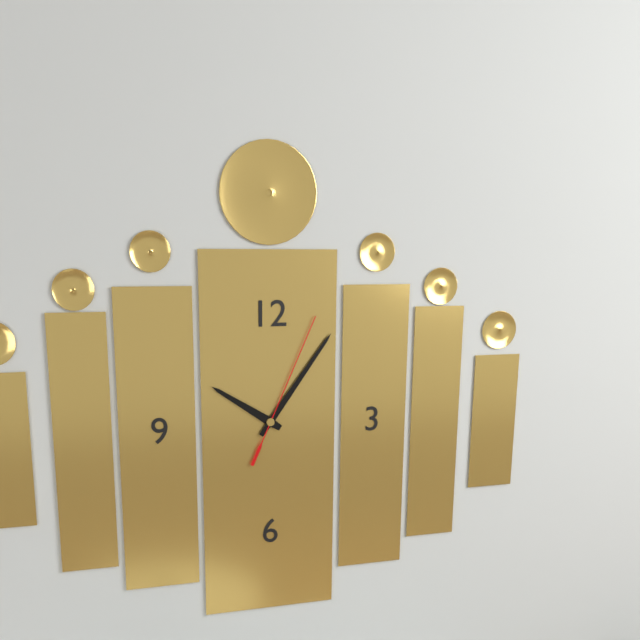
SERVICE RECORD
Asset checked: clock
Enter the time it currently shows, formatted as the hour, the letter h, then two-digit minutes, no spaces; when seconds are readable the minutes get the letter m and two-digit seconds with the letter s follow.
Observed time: 10h06m04s
